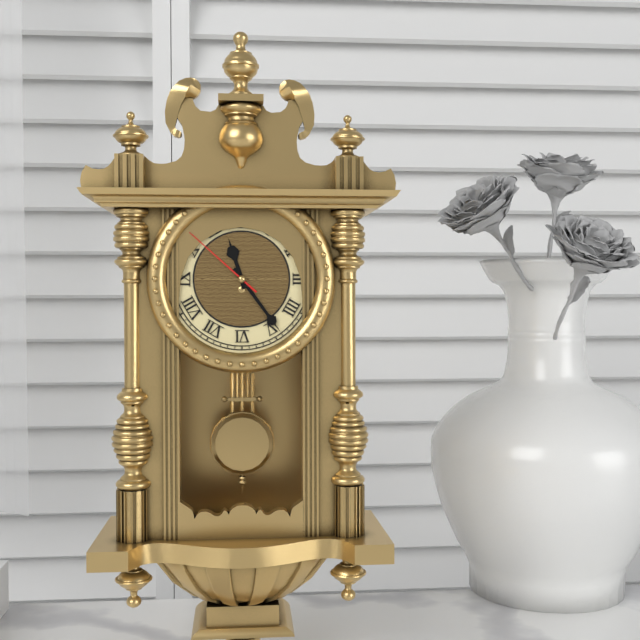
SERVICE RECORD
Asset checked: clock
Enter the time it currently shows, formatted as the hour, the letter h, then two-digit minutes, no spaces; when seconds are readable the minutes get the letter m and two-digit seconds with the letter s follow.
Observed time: 11h24m52s
